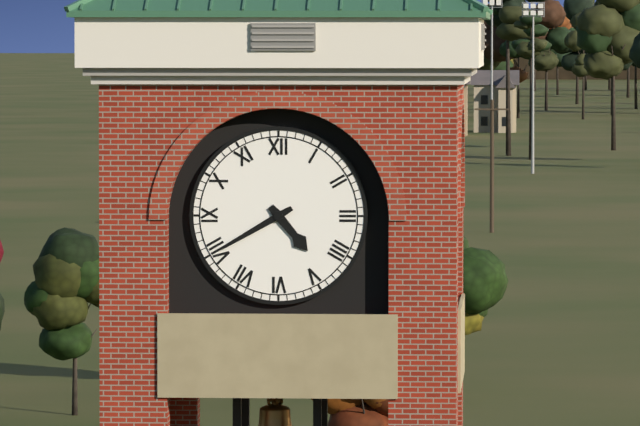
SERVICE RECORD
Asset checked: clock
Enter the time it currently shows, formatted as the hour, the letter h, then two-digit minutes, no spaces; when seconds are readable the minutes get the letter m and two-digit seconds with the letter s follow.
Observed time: 4h40
